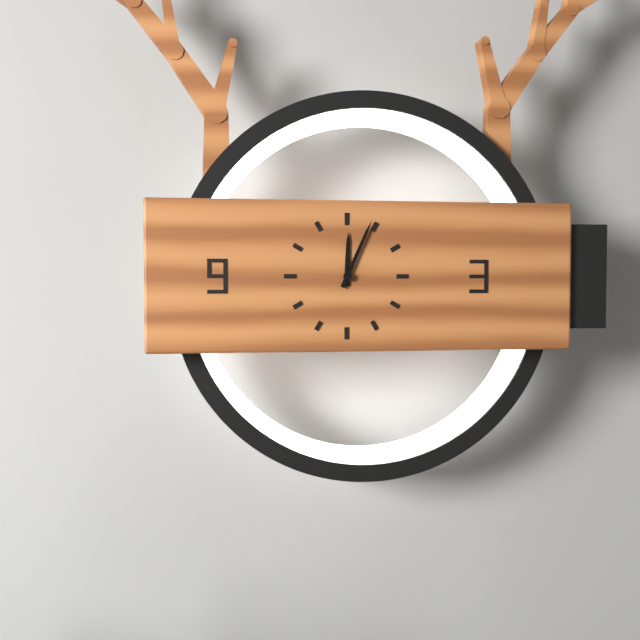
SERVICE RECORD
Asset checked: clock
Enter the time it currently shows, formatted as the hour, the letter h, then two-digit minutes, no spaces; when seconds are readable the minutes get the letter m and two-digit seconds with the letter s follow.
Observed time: 12h04
